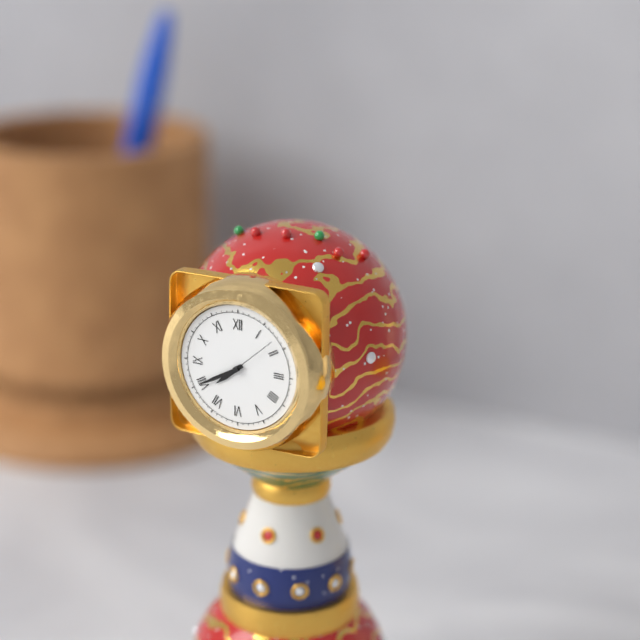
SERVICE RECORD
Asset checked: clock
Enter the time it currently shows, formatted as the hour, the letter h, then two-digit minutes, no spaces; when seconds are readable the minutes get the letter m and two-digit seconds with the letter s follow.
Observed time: 7h40m08s
